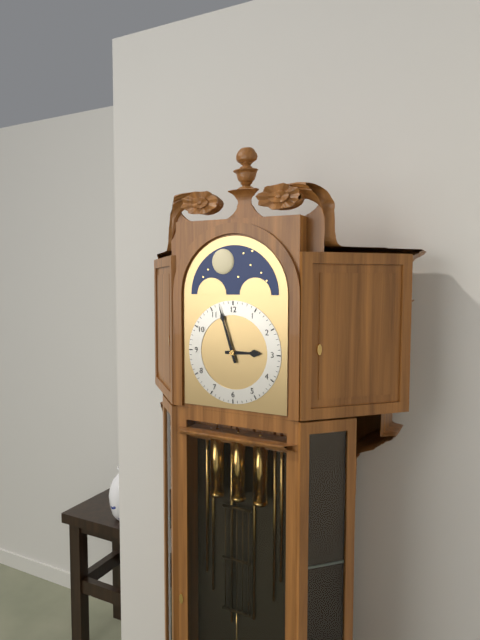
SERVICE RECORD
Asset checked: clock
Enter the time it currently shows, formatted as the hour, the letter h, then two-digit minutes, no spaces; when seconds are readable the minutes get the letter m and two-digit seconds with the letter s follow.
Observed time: 2h57
